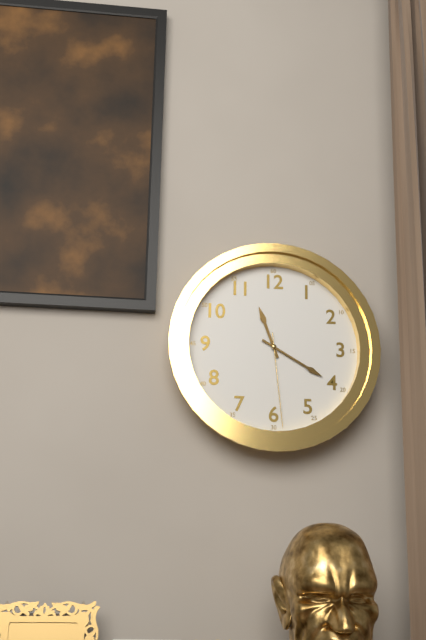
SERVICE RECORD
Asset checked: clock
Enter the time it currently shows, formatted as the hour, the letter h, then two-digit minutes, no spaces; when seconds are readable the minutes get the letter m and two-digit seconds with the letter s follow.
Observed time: 11h20m29s
